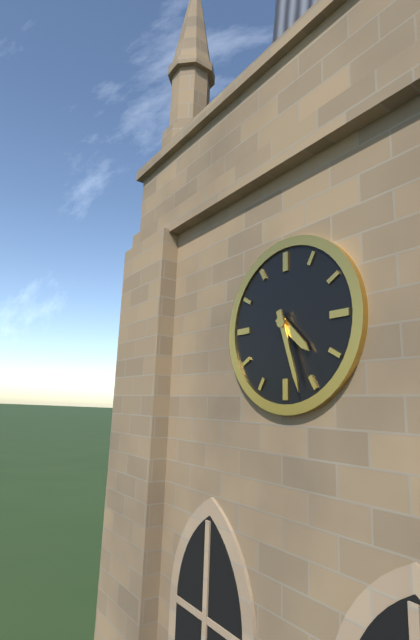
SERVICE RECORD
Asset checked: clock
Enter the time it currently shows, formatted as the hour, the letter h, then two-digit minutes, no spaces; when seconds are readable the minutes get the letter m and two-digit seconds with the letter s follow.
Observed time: 4h27
